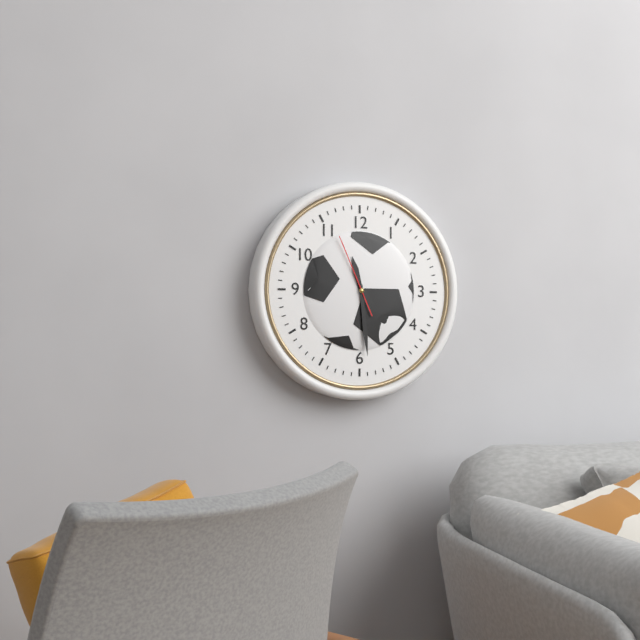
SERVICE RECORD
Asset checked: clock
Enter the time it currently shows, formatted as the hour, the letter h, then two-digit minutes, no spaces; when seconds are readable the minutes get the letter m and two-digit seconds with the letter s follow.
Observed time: 11h29m56s
